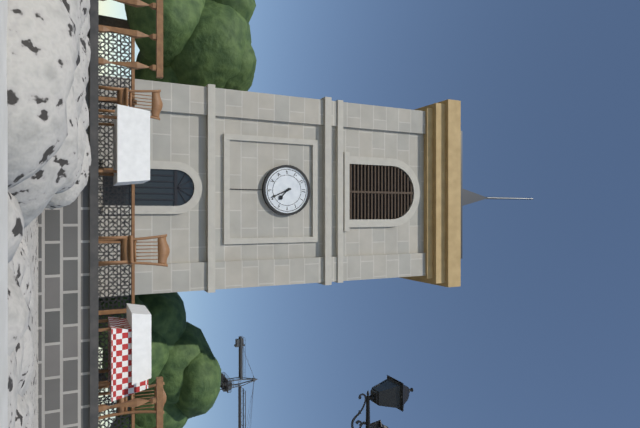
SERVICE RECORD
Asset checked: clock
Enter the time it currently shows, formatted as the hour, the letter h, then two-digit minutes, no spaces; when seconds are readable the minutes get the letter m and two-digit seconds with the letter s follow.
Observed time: 4h26
